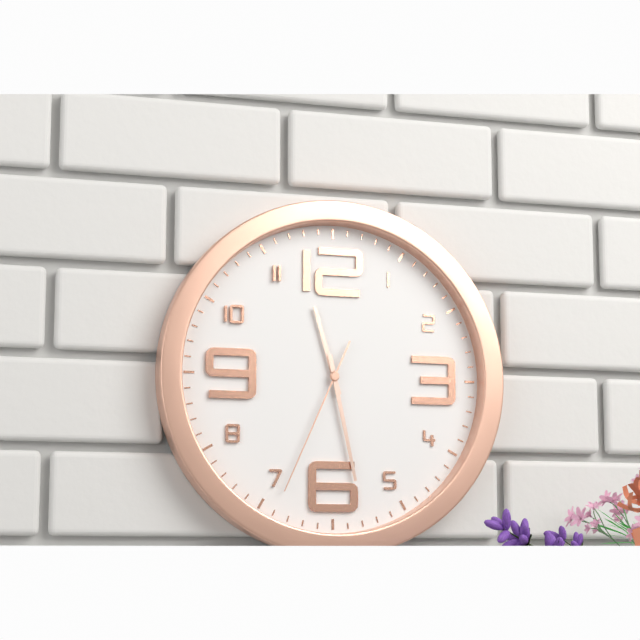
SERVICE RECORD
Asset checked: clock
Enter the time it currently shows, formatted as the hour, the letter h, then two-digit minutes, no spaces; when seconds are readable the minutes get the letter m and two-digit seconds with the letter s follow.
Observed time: 11h28m34s
